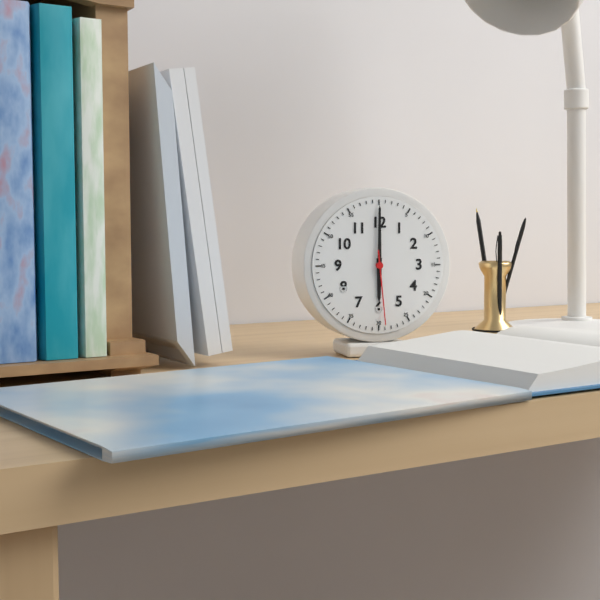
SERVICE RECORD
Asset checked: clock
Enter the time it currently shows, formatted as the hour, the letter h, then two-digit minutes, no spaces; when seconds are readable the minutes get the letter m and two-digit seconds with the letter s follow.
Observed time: 6h00m29s
